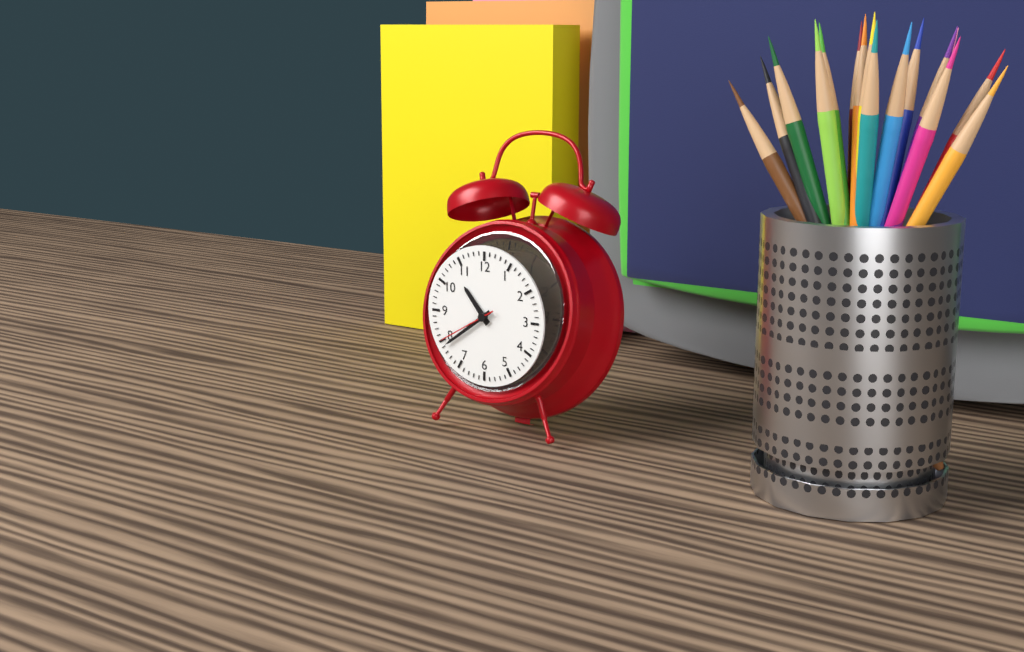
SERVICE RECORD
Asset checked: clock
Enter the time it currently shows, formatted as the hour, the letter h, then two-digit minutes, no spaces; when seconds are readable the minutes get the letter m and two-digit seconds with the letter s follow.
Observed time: 10h39m40s
